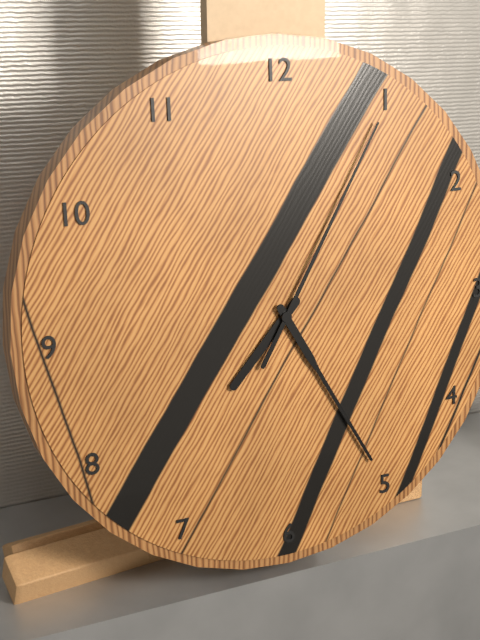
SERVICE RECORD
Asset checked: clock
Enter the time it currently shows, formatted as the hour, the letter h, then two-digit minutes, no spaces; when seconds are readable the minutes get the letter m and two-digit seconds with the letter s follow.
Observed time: 7h25m05s
